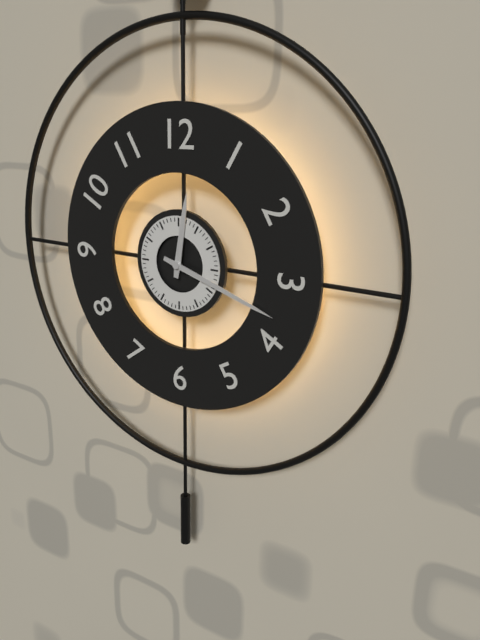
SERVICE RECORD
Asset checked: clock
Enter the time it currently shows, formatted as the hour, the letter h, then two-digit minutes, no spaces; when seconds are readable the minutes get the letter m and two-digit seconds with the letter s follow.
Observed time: 12h18
